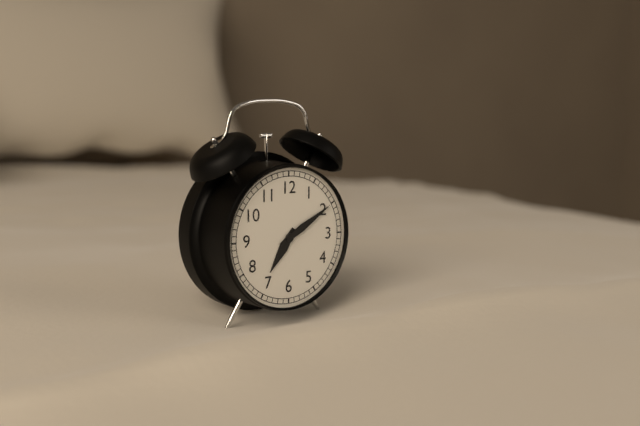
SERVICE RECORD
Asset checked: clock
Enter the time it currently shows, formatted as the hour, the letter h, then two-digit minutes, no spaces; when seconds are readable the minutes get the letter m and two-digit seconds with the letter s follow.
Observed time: 7h10
